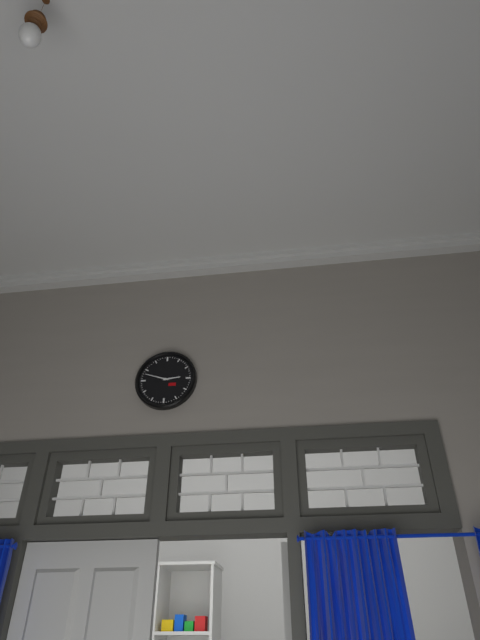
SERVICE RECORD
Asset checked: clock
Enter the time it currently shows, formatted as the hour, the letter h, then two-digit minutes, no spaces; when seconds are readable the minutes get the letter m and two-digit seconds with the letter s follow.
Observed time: 2h48
